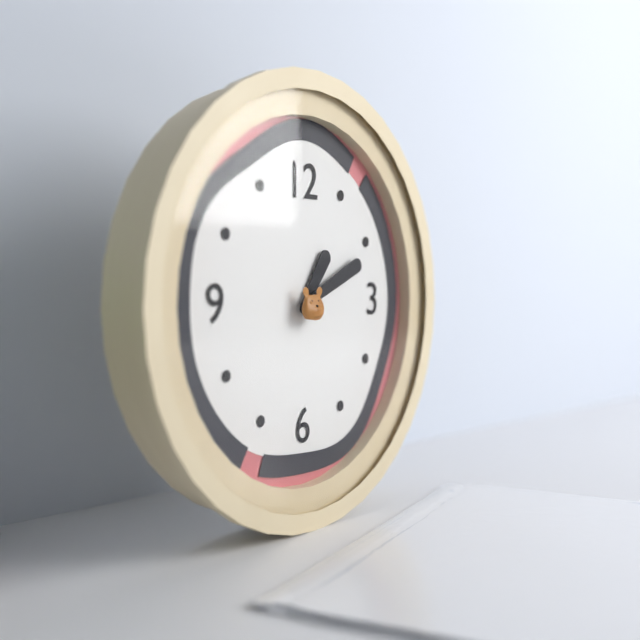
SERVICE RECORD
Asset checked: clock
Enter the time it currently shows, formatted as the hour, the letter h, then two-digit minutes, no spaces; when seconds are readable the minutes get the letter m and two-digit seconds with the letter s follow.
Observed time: 1h11
